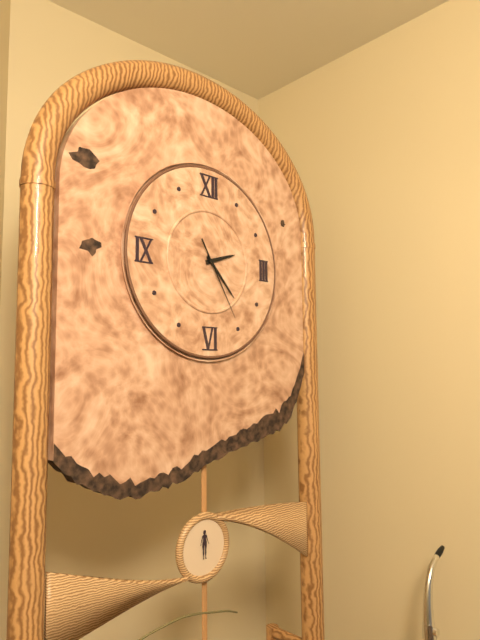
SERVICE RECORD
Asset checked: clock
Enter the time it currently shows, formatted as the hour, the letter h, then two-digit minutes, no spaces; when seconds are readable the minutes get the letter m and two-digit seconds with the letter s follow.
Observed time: 2h23m25s
